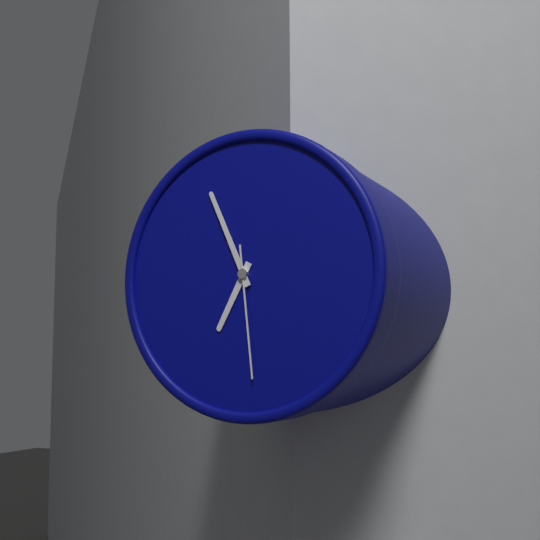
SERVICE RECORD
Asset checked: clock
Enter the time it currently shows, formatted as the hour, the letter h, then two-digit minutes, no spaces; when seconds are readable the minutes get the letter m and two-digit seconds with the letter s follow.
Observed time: 6h56m29s
